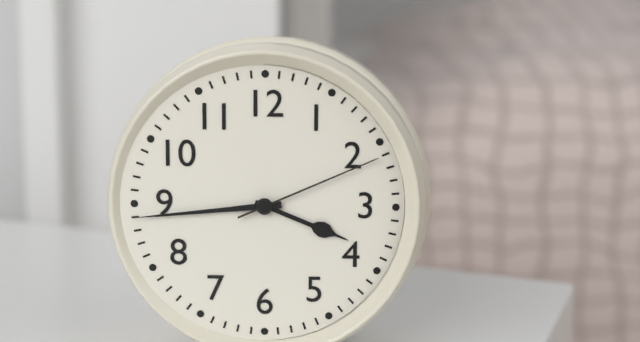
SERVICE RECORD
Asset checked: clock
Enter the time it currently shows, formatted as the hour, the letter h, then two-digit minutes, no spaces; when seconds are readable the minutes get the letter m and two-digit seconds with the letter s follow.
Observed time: 3h44m11s
